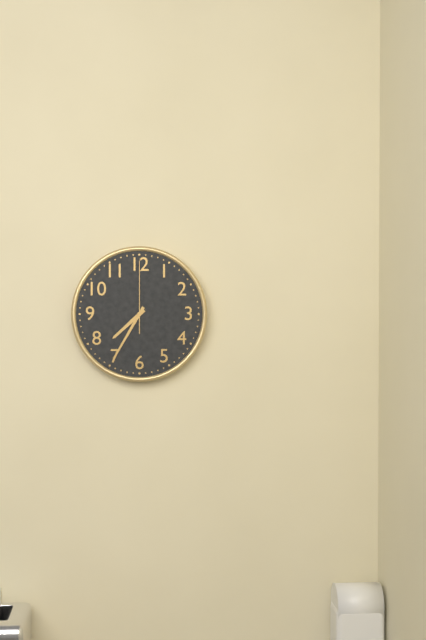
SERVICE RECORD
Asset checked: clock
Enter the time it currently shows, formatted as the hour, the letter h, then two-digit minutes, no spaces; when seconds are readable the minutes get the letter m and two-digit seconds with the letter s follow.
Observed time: 7h35m00s
